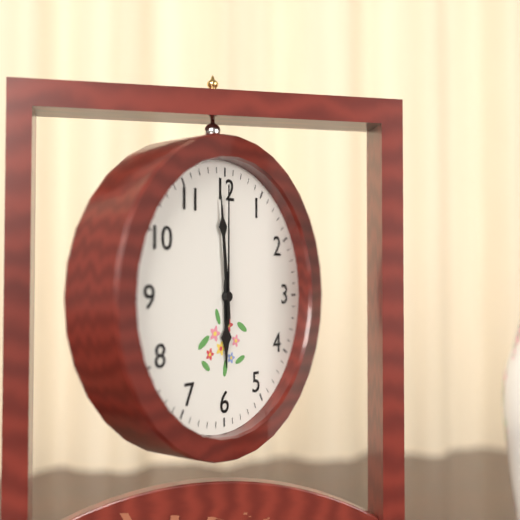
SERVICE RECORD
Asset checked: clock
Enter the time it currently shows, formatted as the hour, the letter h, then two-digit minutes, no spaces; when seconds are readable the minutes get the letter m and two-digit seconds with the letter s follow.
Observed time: 5h59m00s
